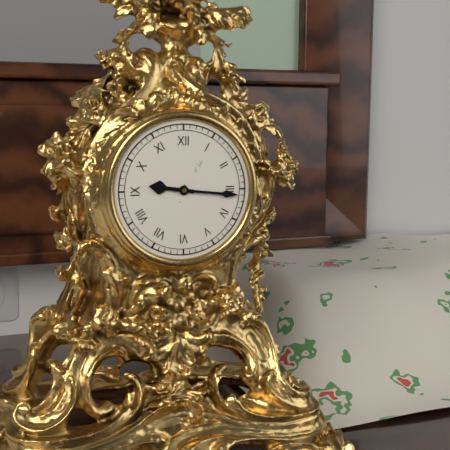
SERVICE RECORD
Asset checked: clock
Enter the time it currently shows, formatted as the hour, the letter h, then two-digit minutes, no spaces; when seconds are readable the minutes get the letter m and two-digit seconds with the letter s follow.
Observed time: 9h16
